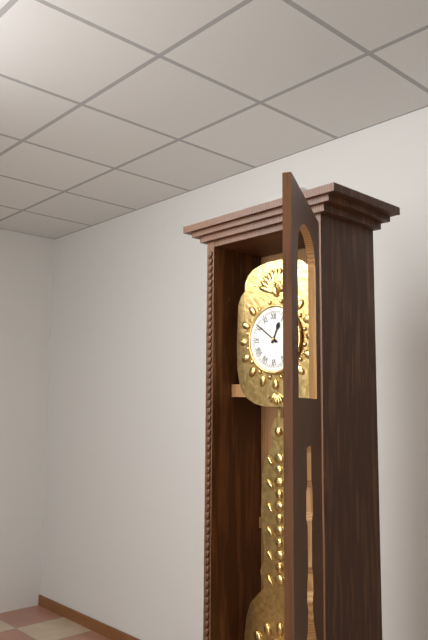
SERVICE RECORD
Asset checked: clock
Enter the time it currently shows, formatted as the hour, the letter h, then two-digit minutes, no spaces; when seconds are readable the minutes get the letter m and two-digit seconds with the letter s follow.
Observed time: 12h51
